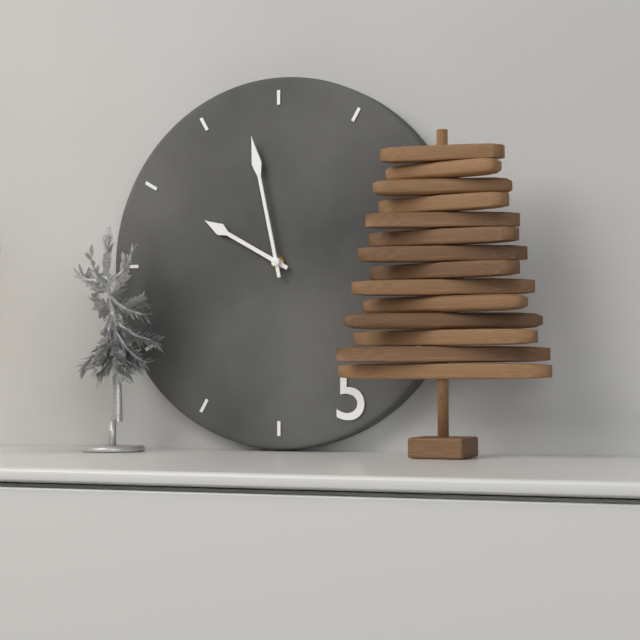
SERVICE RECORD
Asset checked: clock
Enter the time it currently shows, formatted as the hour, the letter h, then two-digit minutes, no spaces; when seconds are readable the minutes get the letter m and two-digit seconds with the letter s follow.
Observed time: 9h58
